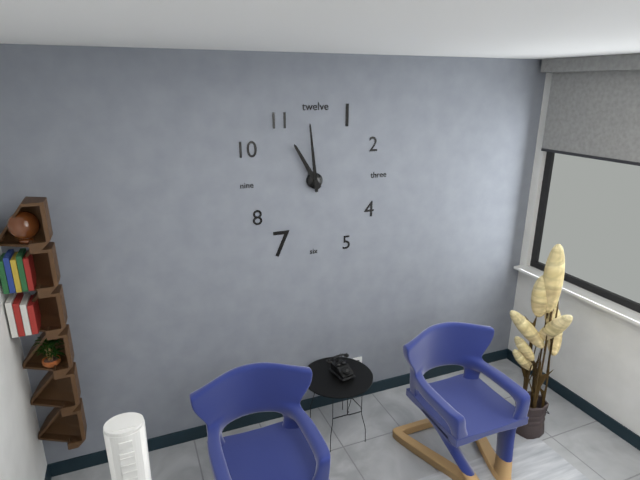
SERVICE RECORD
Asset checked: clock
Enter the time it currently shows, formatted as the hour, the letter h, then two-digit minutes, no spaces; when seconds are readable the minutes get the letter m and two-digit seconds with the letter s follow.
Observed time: 10h59
